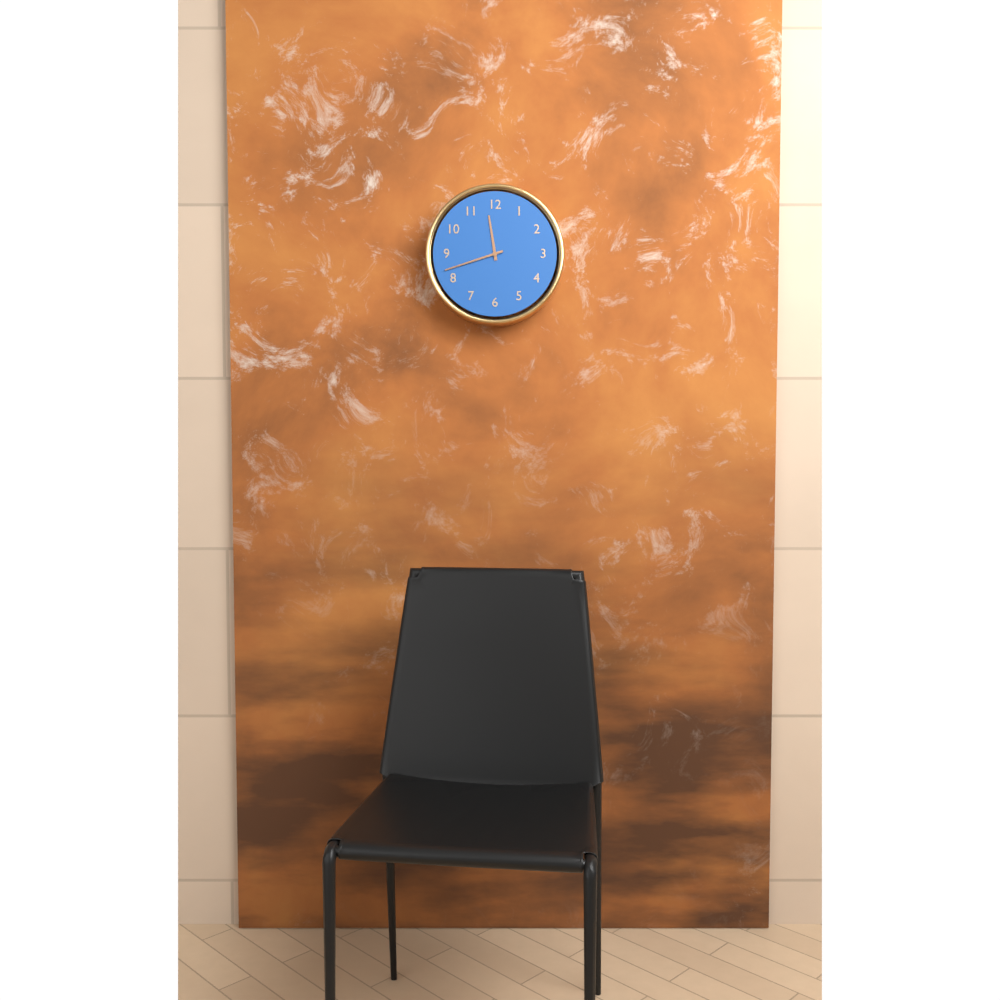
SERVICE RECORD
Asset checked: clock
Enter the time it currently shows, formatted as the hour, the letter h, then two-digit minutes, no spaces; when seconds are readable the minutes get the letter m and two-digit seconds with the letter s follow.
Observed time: 11h42
